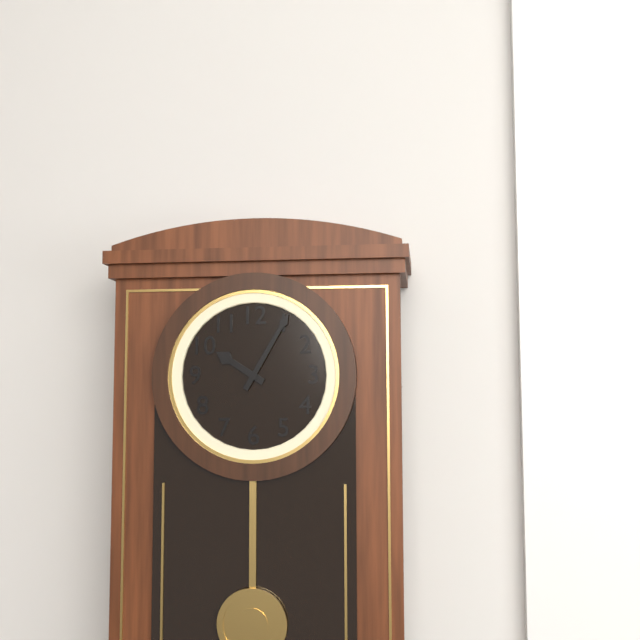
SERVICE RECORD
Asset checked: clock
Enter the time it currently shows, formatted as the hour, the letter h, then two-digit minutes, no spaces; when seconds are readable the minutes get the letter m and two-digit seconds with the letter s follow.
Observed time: 10h05
